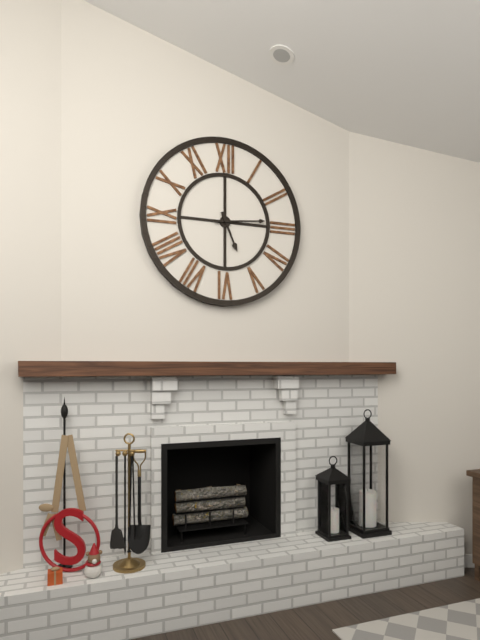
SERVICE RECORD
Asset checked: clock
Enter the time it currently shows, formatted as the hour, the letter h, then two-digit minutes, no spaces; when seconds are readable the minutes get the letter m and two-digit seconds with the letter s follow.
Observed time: 5h14
